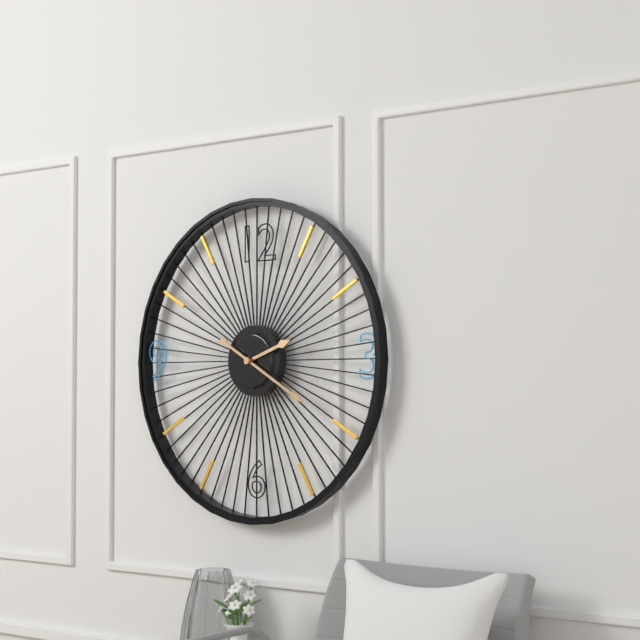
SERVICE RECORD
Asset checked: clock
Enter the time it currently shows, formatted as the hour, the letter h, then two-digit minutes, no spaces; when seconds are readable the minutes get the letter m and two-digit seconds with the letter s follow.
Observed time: 2h20
